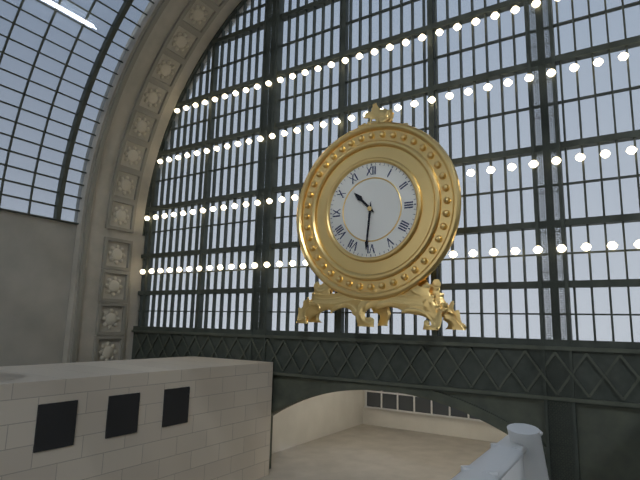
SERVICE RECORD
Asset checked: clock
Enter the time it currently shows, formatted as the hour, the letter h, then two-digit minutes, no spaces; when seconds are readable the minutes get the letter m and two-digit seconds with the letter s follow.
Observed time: 10h31
